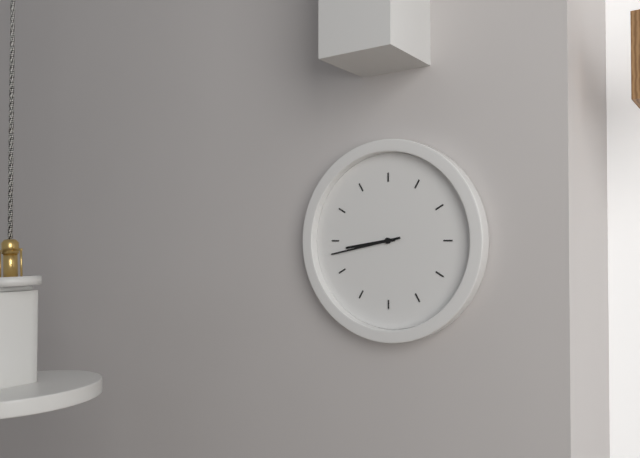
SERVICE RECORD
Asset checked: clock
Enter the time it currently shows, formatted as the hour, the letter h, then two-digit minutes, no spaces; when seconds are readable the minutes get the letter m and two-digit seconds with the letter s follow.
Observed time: 8h43
